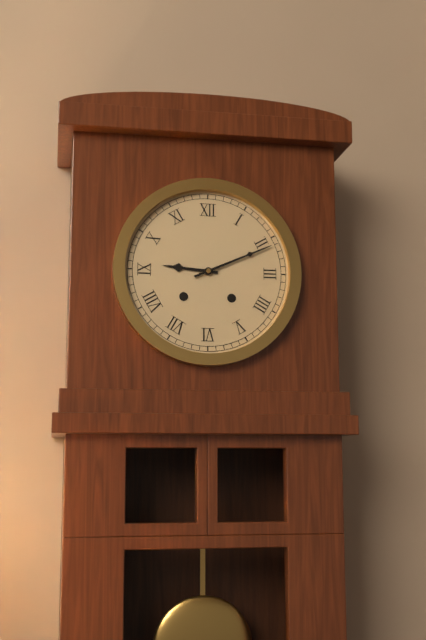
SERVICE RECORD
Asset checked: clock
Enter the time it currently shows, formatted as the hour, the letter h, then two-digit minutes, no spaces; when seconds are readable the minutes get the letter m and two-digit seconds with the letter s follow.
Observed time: 9h11
